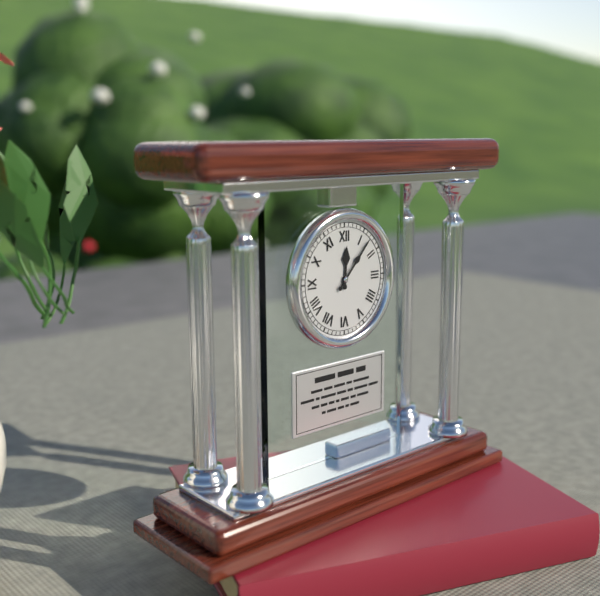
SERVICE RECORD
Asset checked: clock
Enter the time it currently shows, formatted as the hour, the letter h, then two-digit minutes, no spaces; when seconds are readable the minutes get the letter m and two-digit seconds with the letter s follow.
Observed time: 12h07
